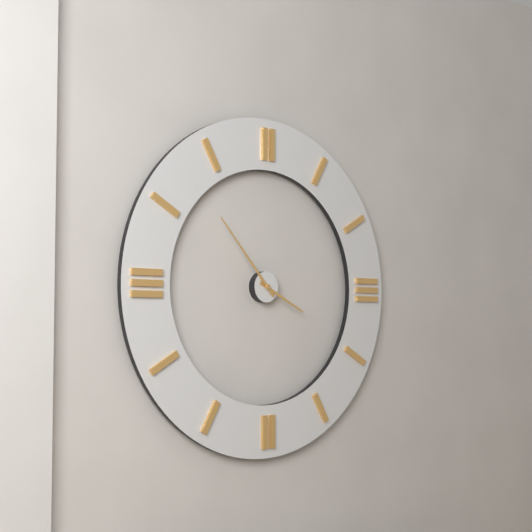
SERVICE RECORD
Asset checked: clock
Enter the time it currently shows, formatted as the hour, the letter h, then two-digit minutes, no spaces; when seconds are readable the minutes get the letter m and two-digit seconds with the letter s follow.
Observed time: 3h53
